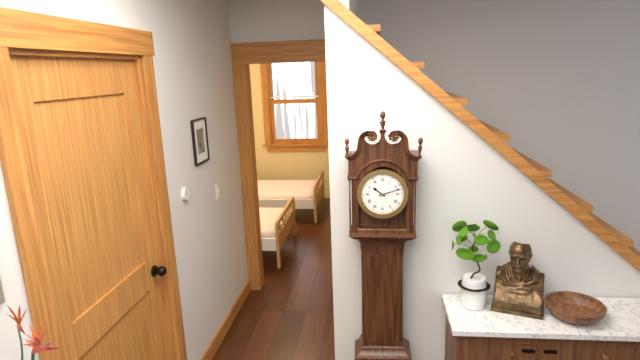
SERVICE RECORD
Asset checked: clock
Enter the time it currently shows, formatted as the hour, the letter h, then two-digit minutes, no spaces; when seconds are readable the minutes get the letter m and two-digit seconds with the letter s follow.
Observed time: 10h12
